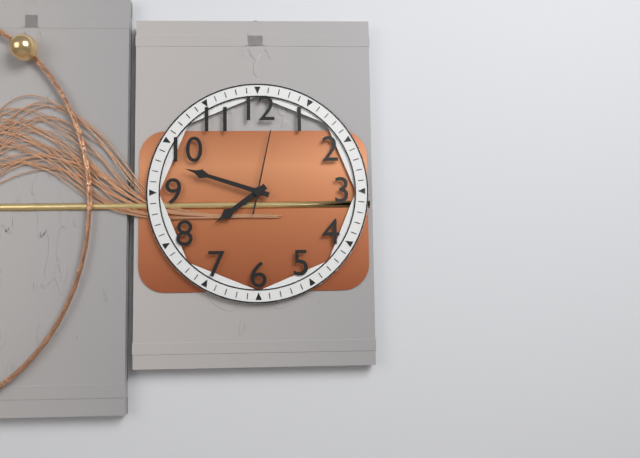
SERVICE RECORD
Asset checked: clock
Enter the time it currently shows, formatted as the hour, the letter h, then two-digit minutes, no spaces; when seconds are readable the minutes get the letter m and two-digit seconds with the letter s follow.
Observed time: 7h48m02s
